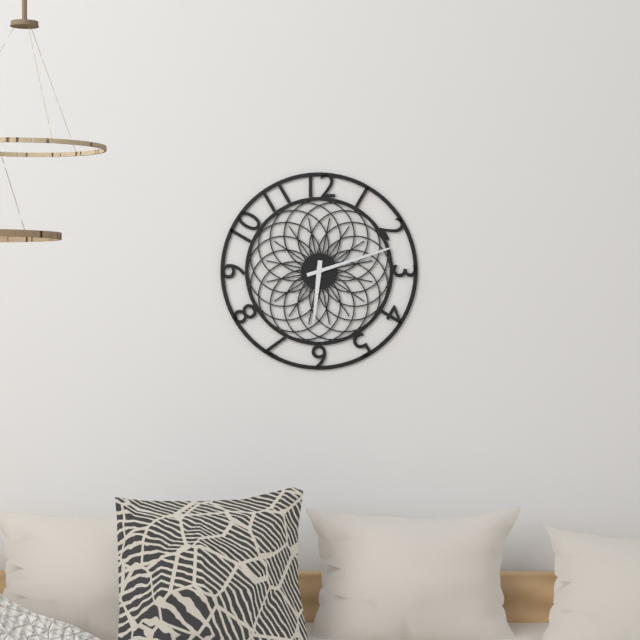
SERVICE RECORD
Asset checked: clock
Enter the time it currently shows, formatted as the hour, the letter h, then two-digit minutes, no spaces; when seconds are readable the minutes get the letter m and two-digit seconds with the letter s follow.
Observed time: 6h12
